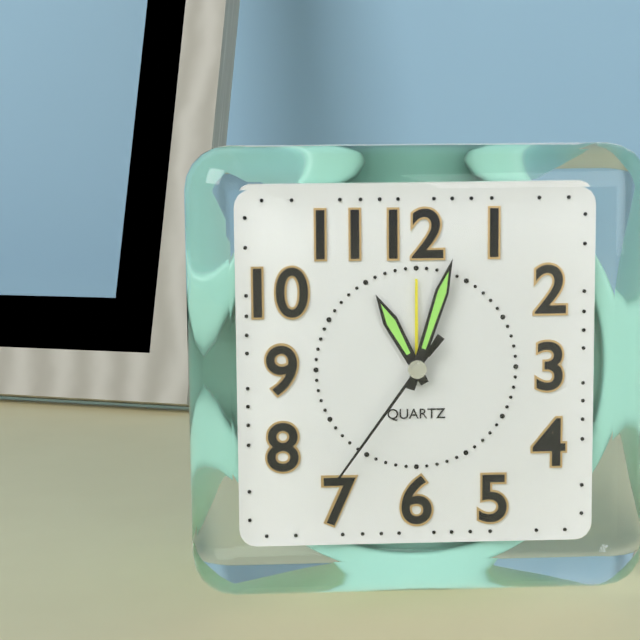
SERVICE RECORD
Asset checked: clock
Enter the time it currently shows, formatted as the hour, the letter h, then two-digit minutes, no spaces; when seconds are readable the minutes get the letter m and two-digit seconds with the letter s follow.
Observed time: 11h03m36s
